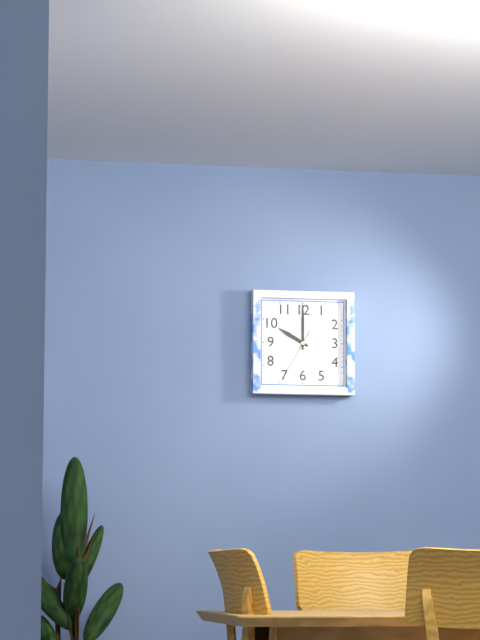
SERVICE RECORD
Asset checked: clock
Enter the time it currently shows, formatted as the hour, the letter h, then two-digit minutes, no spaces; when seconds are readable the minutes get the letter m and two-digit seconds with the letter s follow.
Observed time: 10h00
